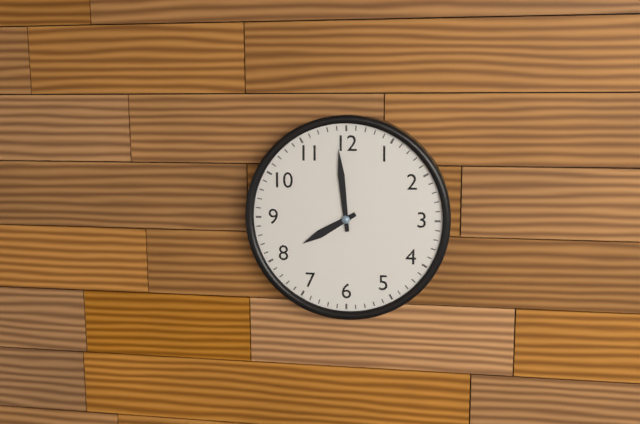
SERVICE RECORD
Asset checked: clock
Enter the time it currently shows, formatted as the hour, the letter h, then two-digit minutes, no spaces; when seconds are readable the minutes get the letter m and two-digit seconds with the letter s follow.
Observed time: 7h59
